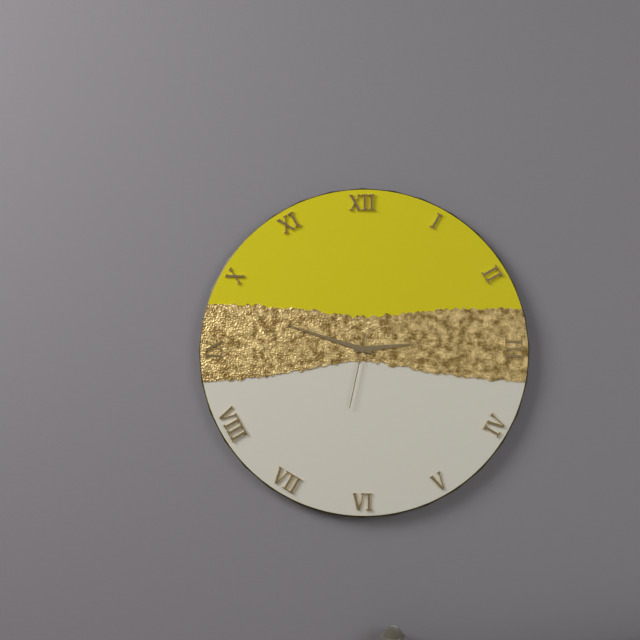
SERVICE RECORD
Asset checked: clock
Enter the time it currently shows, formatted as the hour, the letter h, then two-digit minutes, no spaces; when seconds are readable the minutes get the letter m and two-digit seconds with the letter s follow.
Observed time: 2h48m32s
